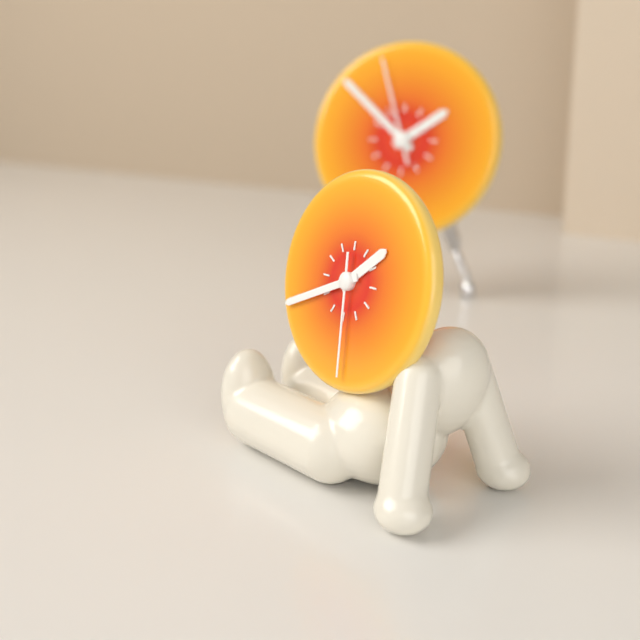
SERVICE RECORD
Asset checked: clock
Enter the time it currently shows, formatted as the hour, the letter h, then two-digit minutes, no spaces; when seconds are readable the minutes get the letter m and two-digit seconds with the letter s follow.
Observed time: 1h41m29s
